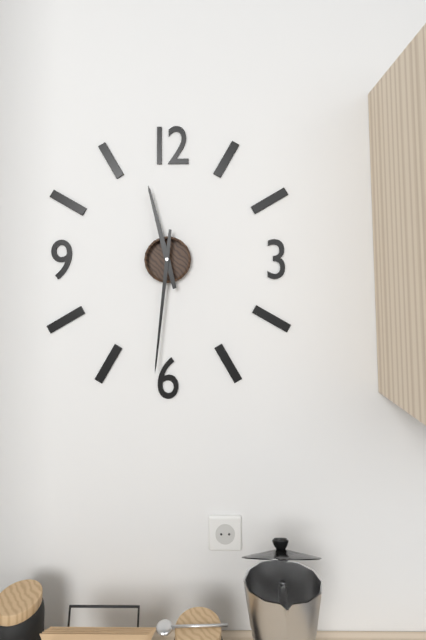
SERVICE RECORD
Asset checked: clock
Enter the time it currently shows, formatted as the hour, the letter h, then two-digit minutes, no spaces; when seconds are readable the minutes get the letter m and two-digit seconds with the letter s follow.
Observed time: 11h31
